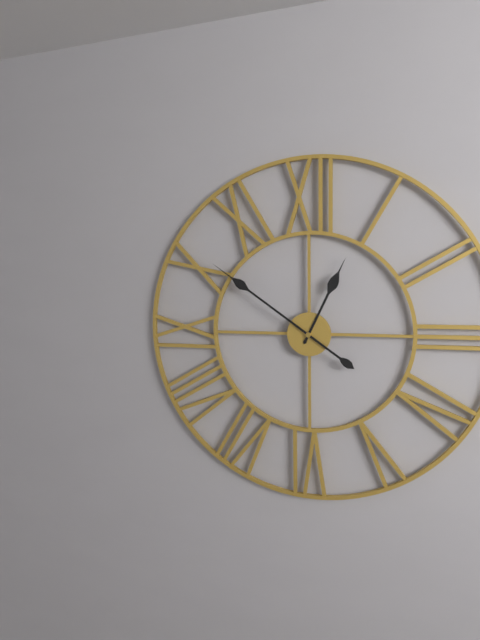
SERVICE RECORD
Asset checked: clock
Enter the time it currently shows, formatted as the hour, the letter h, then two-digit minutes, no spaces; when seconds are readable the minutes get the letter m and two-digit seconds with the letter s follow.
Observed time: 12h51
